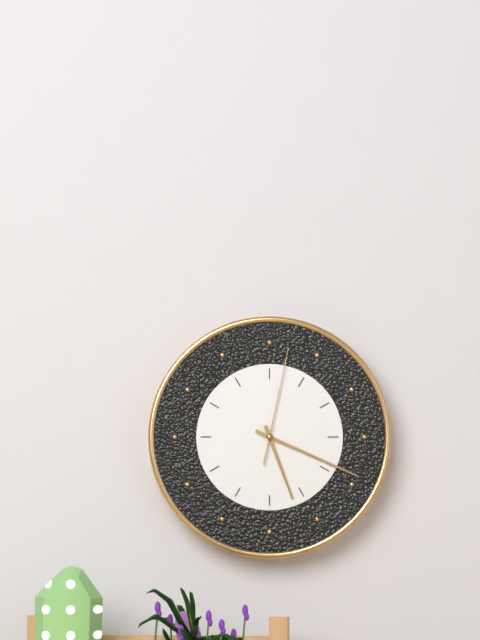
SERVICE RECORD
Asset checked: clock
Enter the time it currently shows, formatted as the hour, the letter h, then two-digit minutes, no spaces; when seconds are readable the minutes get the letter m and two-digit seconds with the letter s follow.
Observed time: 5h19m02s
